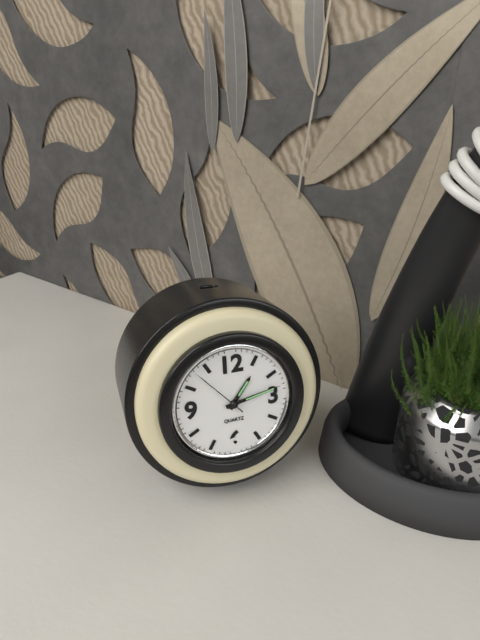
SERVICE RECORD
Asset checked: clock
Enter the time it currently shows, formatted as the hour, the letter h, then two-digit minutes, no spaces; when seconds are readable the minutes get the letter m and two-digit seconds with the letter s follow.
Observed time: 1h13m53s
